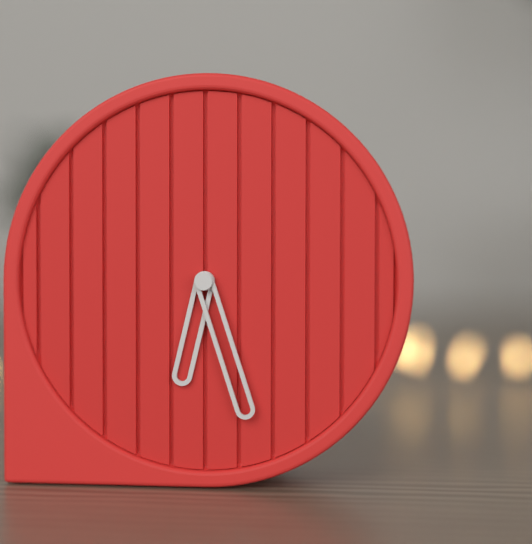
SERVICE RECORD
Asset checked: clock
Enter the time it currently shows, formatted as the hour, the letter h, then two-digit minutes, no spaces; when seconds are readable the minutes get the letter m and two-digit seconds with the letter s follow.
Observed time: 6h27
